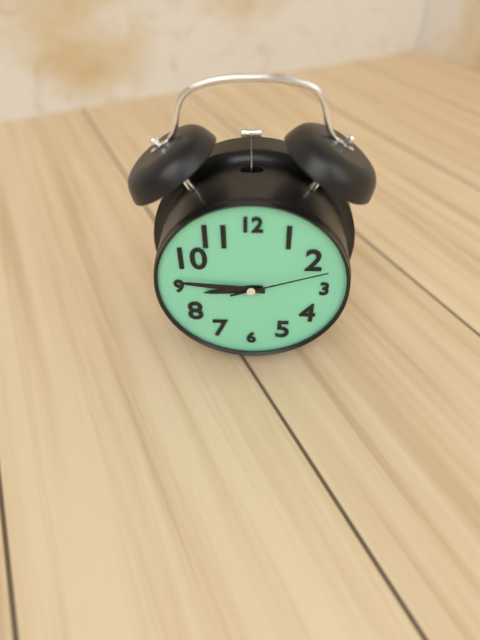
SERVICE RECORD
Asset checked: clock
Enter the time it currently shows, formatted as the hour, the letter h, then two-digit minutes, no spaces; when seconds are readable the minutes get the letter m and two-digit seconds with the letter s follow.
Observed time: 8h46m12s
